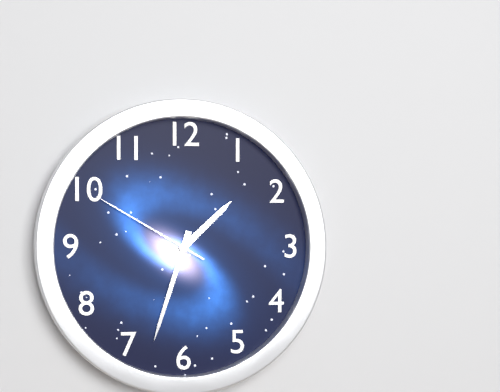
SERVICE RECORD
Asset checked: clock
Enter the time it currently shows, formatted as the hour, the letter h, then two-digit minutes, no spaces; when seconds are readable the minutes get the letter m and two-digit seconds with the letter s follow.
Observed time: 1h33m50s
